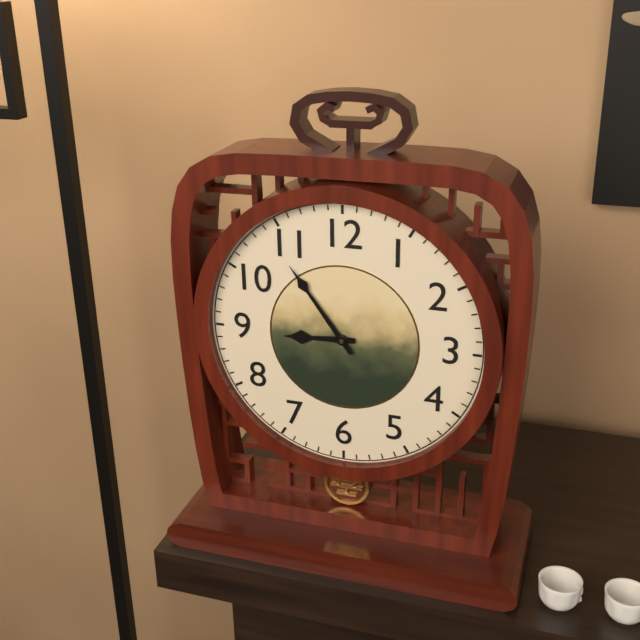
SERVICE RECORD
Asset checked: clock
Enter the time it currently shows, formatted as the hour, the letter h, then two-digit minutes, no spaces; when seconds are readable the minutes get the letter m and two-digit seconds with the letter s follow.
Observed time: 8h54
